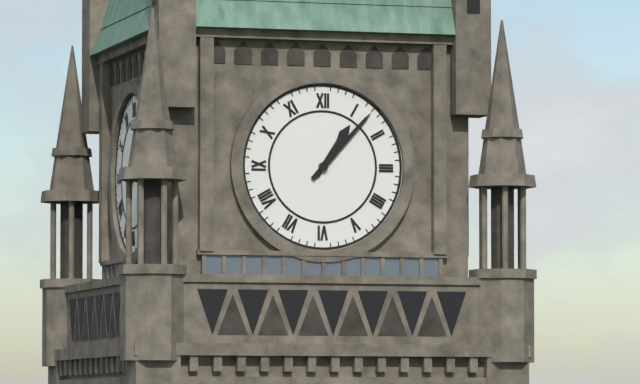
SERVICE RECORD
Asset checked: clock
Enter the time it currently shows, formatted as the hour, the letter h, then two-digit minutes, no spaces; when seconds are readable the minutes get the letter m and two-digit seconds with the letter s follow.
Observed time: 1h07
